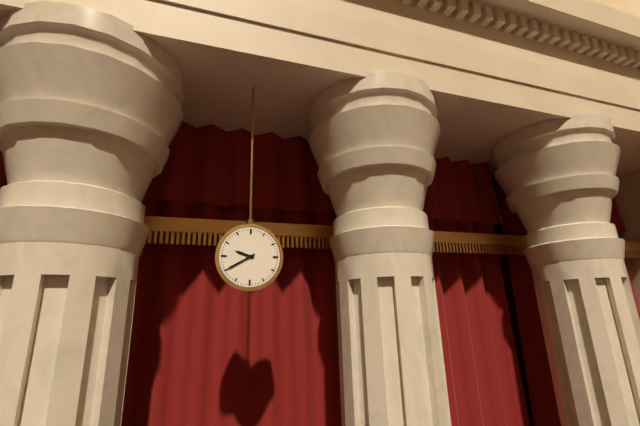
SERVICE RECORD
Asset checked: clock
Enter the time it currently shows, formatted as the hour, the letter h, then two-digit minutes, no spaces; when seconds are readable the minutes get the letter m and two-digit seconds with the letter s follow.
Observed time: 9h40
